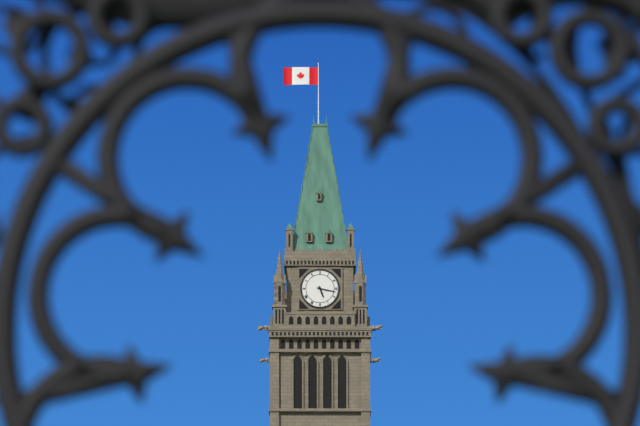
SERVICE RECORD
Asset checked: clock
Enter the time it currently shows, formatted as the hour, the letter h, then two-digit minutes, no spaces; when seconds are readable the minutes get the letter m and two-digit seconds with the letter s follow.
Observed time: 5h17
